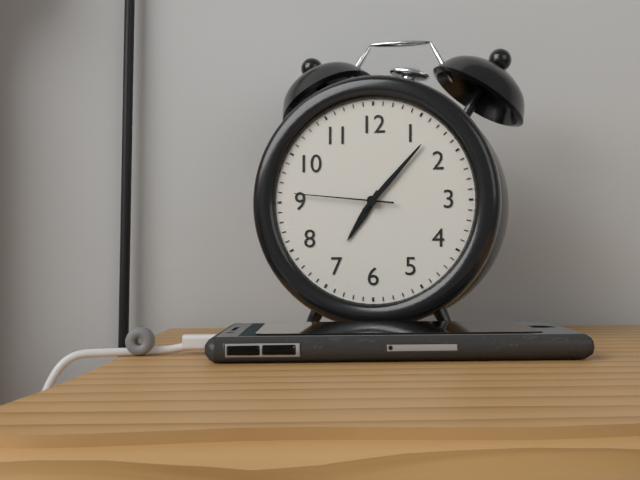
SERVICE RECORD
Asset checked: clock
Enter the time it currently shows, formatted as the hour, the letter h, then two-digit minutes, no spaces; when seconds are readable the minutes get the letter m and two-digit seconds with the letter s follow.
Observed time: 7h07m46s
